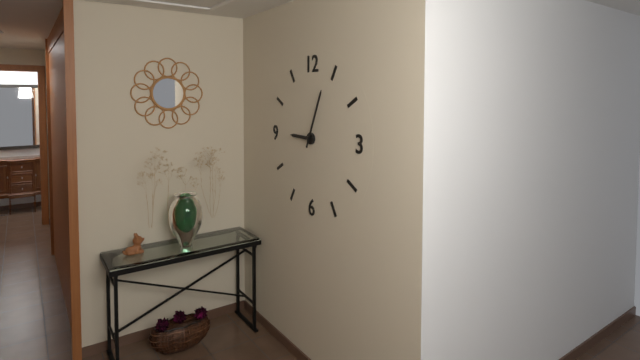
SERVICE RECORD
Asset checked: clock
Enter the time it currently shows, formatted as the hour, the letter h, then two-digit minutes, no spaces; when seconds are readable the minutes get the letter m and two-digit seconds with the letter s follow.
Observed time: 9h04
